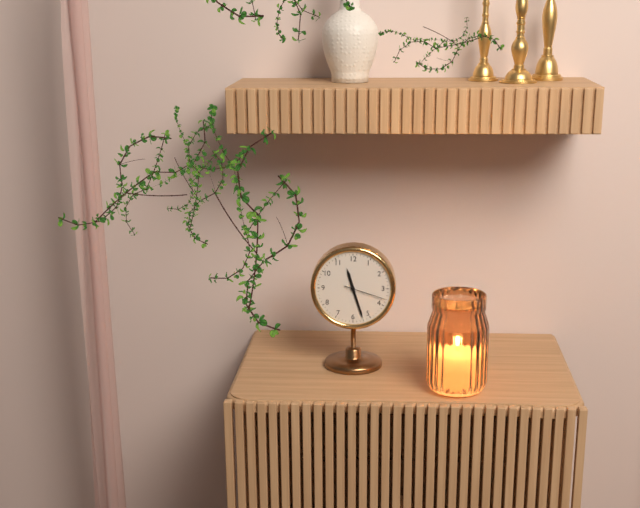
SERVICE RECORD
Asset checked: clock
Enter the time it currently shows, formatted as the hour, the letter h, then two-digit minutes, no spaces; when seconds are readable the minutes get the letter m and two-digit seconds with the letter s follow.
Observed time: 11h27
